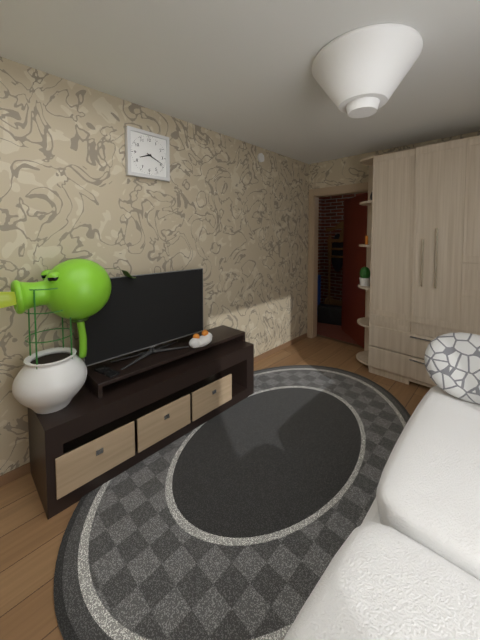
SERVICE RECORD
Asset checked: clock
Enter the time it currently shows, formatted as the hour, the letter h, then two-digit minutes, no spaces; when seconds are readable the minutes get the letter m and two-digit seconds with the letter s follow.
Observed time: 8h19
